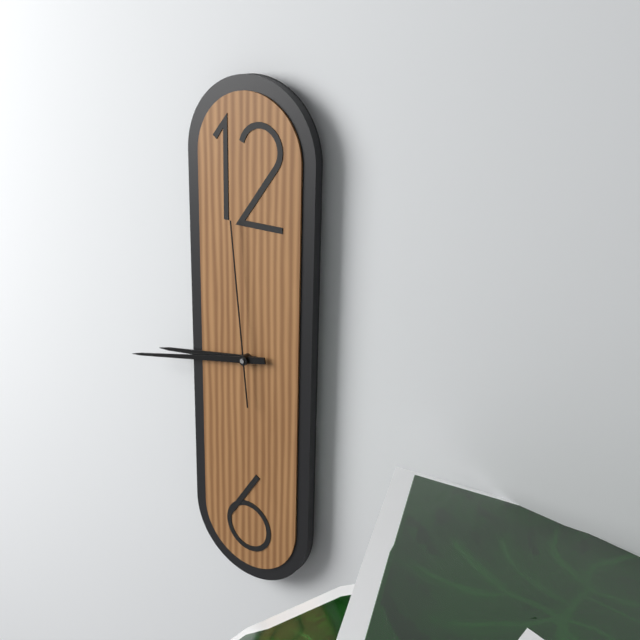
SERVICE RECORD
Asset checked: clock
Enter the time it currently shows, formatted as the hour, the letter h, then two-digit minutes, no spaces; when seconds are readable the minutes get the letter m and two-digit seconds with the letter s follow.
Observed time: 8h43m59s
